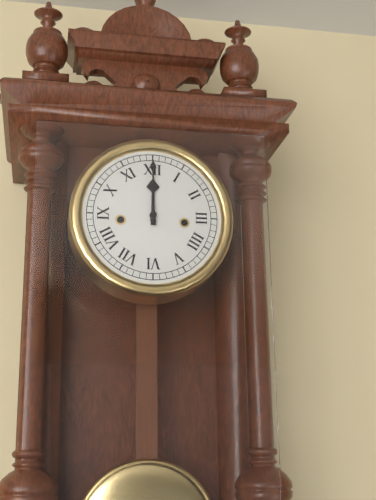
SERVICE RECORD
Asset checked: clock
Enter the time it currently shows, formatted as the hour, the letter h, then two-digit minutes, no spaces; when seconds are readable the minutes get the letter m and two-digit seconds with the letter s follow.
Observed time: 12h00
